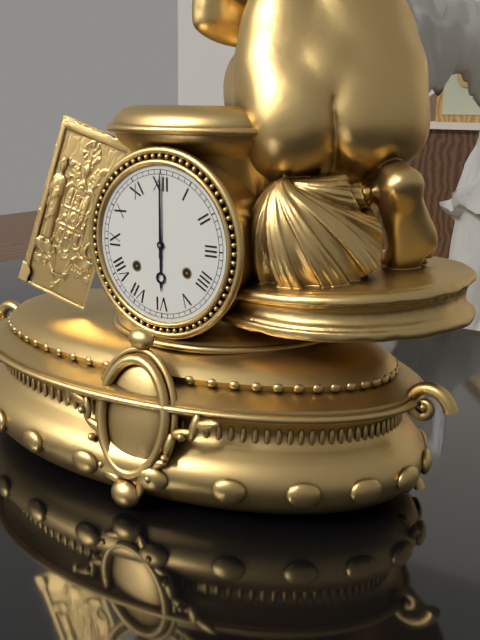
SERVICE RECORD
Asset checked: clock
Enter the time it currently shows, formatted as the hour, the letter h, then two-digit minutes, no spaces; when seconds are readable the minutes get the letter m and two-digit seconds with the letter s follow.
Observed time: 6h00
